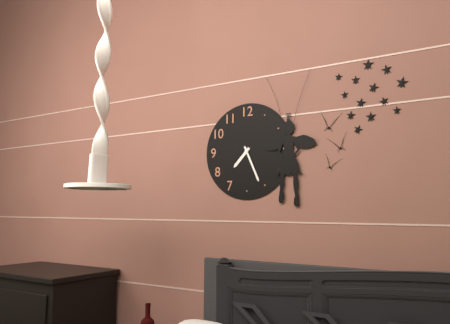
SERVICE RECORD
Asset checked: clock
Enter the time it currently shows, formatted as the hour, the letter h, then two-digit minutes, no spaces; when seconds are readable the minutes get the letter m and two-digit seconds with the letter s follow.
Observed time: 7h26
